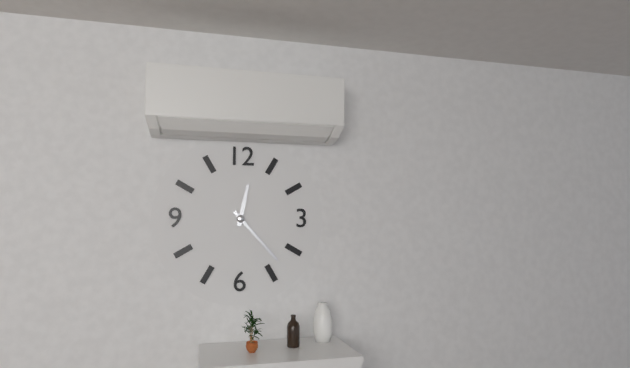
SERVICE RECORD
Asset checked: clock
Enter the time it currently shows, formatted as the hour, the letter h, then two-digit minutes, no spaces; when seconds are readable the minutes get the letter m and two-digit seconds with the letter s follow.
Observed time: 12h23
